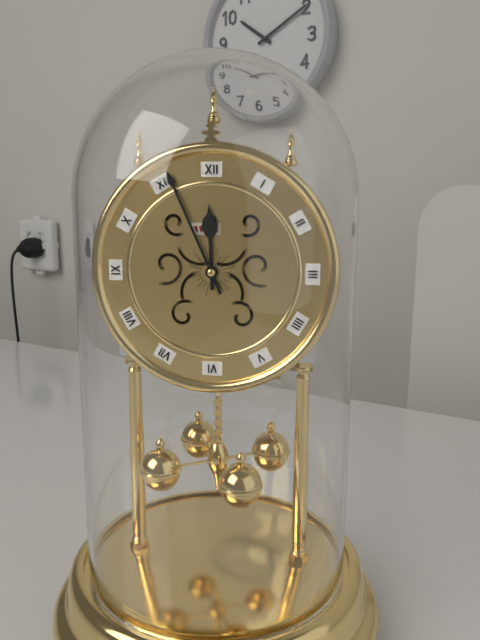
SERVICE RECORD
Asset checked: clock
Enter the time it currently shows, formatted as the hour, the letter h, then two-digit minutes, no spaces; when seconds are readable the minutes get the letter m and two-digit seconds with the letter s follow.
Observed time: 11h56
